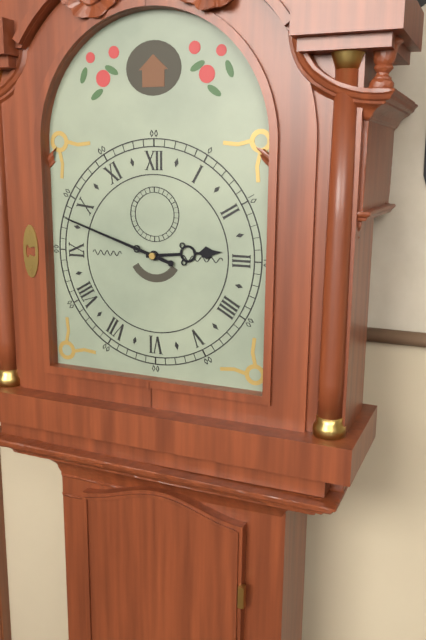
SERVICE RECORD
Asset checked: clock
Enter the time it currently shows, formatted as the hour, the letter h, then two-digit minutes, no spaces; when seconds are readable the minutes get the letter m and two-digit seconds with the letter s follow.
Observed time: 2h48
